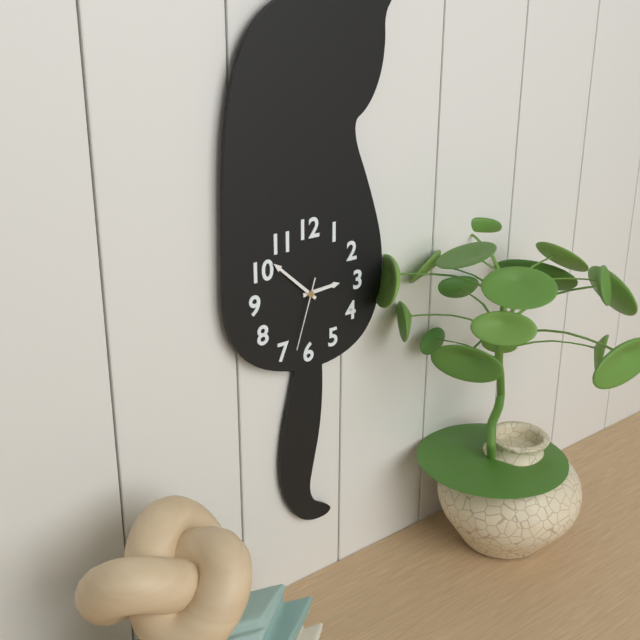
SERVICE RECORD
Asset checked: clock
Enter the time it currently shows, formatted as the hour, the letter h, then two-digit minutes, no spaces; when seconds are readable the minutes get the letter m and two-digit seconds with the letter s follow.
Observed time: 2h52m33s
